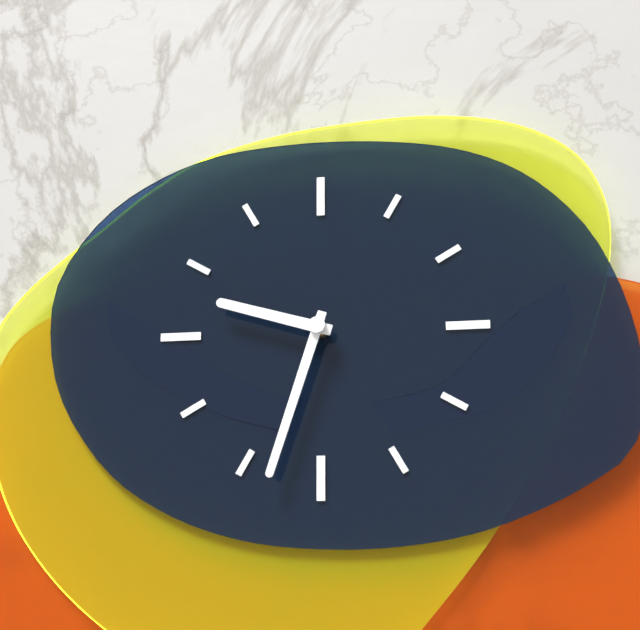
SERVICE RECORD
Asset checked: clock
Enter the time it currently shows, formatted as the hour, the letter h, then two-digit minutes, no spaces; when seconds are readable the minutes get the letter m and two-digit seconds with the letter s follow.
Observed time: 9h33
